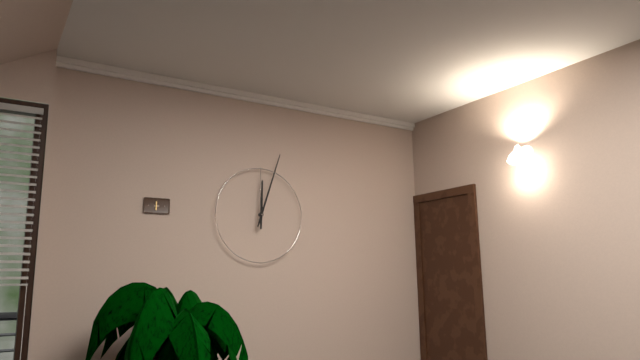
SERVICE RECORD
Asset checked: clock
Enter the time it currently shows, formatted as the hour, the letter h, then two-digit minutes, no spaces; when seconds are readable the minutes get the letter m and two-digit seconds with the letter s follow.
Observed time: 12h03
